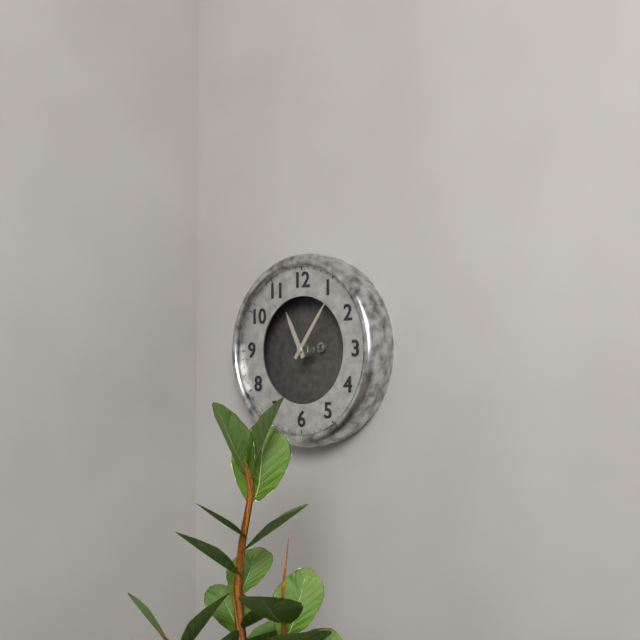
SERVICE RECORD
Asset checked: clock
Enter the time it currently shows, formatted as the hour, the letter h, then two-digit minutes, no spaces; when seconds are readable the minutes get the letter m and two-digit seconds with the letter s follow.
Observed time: 11h06
